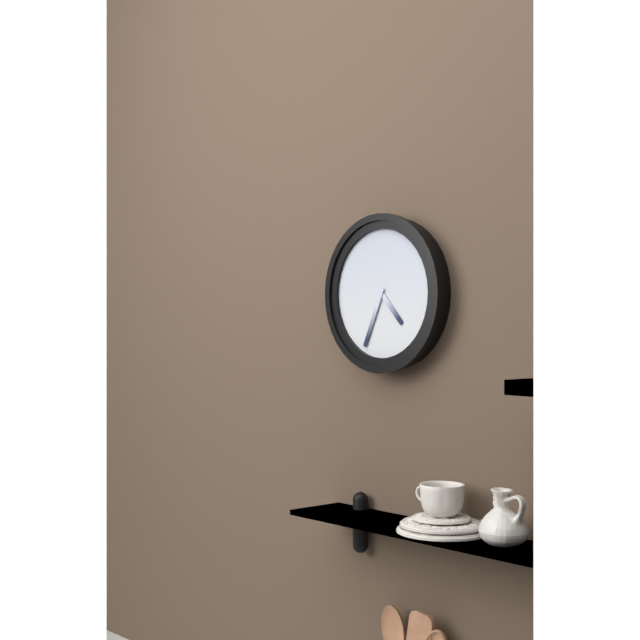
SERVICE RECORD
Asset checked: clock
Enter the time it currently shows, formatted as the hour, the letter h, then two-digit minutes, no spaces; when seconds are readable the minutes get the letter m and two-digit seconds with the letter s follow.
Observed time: 4h34
